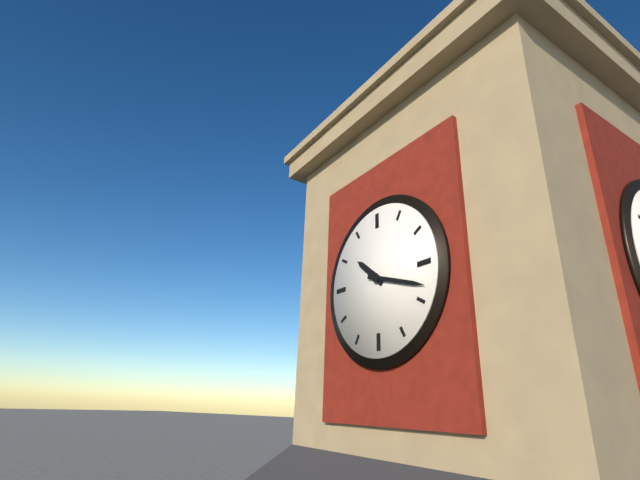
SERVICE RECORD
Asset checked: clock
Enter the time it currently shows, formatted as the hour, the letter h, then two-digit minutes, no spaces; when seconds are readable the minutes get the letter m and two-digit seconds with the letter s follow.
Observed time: 10h18
